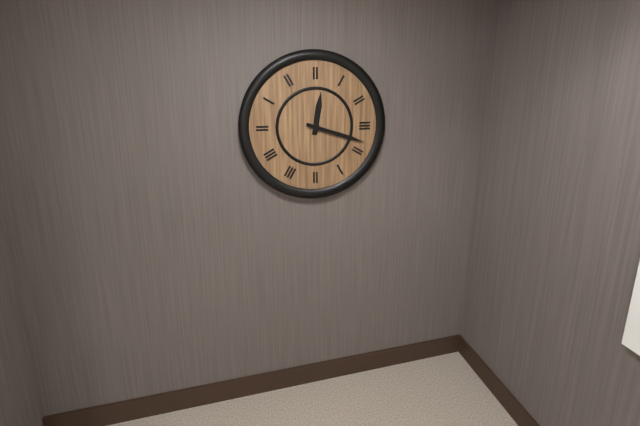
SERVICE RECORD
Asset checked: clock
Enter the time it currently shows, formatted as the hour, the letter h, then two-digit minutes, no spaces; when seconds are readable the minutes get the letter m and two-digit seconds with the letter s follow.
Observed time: 12h18
